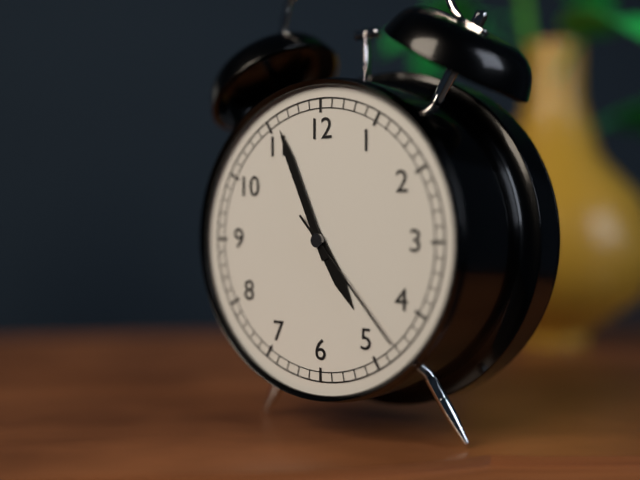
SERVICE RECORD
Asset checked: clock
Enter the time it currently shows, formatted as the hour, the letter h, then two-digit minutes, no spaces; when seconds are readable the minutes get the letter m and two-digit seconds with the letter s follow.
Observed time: 4h56m23s
